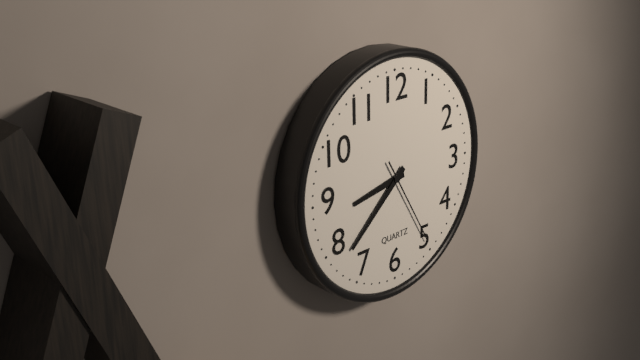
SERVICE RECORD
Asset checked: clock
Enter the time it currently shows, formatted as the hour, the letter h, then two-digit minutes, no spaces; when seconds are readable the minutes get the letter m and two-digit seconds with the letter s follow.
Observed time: 8h38m25s
